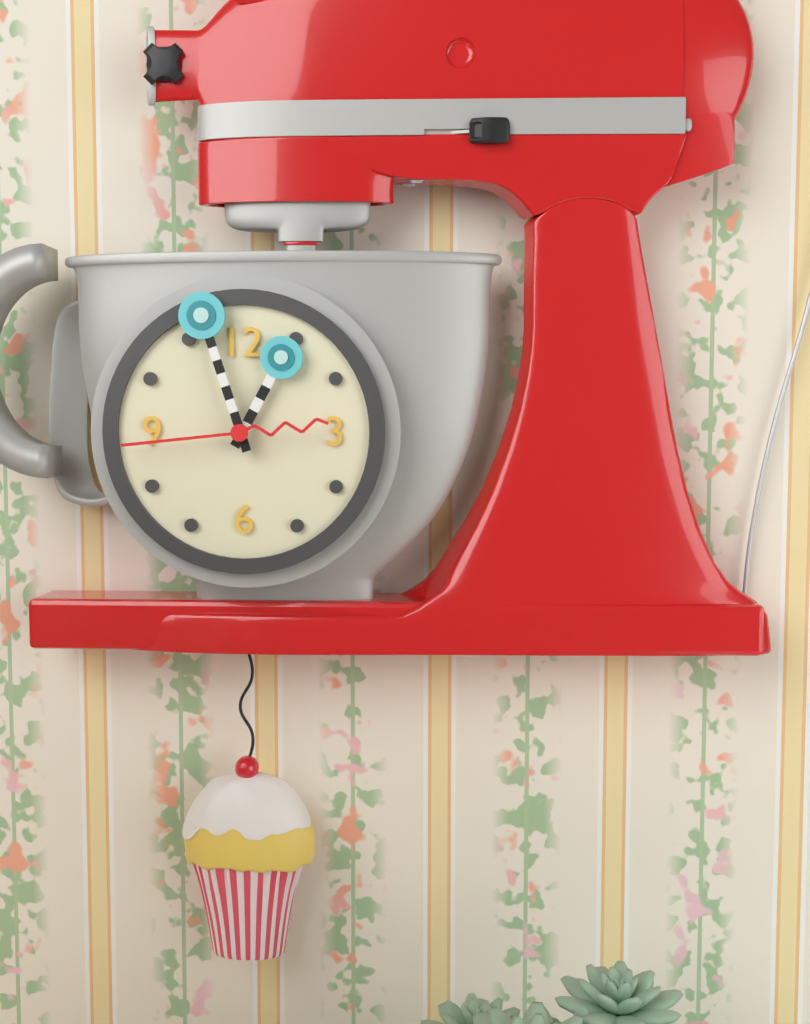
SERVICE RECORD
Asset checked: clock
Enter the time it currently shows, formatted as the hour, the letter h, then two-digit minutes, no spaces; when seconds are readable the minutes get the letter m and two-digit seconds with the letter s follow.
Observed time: 12h57m44s
